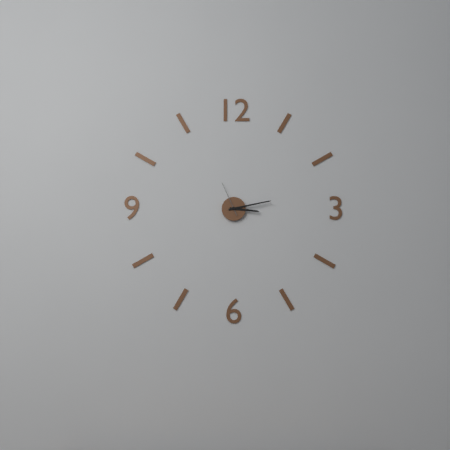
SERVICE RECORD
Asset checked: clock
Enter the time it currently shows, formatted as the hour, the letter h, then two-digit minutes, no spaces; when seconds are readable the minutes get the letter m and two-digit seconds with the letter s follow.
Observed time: 3h13
